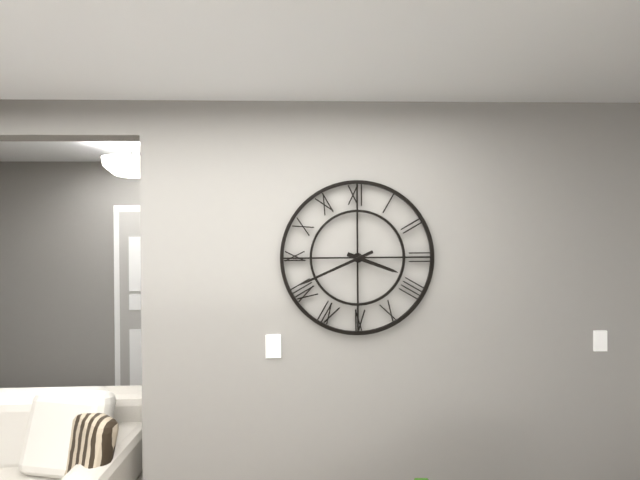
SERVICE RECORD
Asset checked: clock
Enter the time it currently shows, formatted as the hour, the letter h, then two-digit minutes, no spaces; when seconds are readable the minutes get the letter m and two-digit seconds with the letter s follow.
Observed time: 3h41
